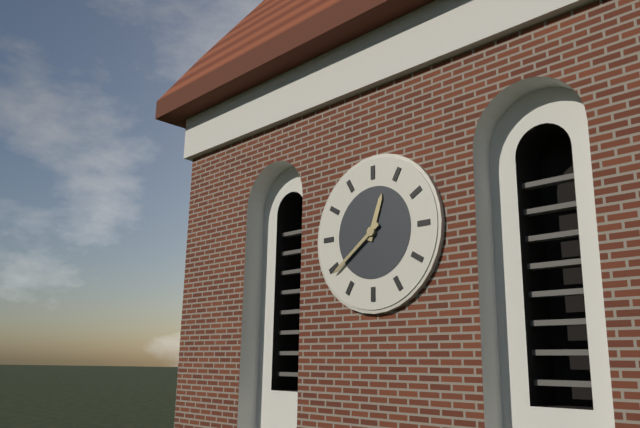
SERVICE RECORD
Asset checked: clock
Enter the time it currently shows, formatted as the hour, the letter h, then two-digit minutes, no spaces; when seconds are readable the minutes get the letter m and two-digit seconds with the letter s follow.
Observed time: 12h39
